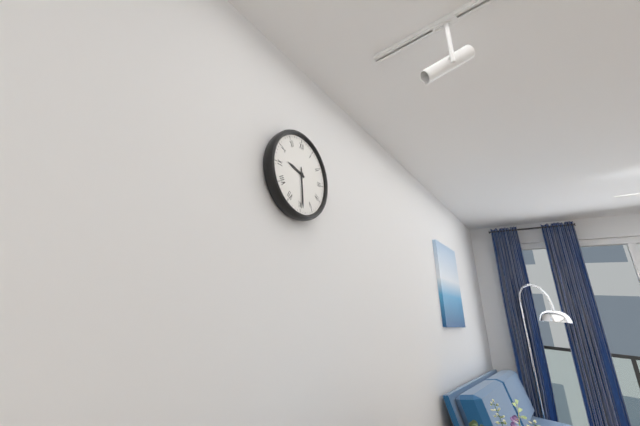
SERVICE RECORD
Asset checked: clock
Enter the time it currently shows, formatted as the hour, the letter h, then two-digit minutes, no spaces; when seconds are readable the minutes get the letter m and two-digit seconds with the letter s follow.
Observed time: 9h29
